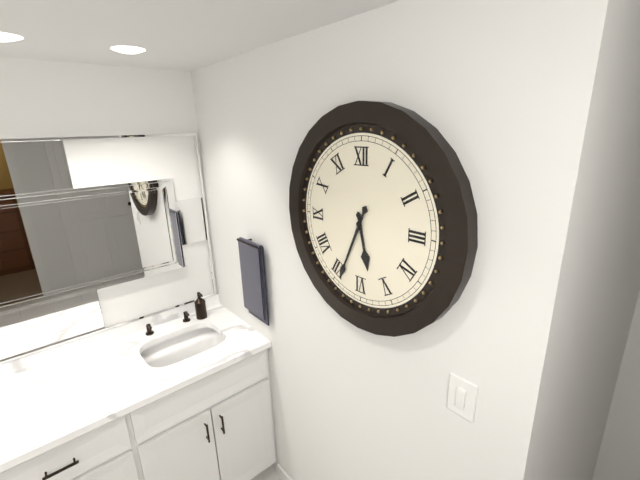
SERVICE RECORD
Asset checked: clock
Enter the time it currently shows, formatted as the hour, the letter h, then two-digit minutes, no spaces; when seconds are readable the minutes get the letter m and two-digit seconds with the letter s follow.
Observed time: 5h34
